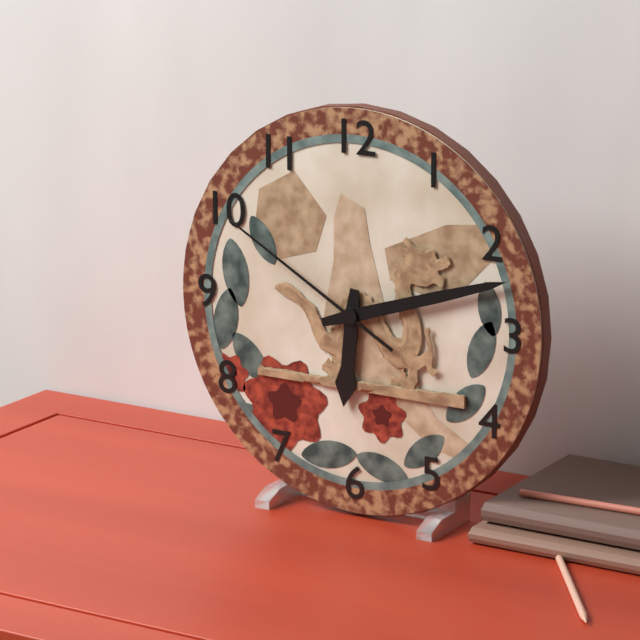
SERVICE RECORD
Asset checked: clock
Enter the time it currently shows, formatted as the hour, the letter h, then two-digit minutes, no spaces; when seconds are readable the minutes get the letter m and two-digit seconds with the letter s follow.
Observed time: 6h12m50s
